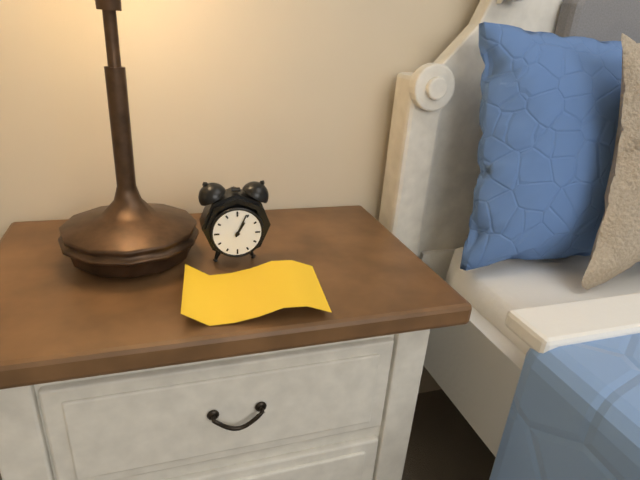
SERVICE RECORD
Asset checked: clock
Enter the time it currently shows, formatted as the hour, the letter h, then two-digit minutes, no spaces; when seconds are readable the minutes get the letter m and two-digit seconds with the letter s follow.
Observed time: 1h04
